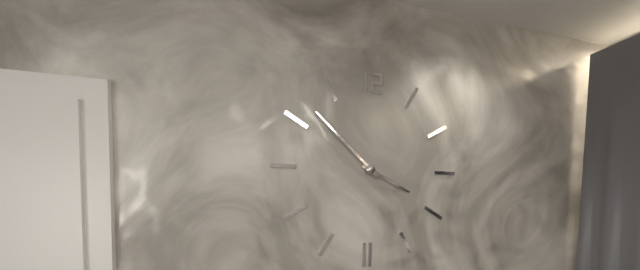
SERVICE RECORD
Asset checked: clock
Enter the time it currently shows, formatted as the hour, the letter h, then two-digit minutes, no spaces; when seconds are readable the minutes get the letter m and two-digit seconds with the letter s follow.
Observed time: 3h52
